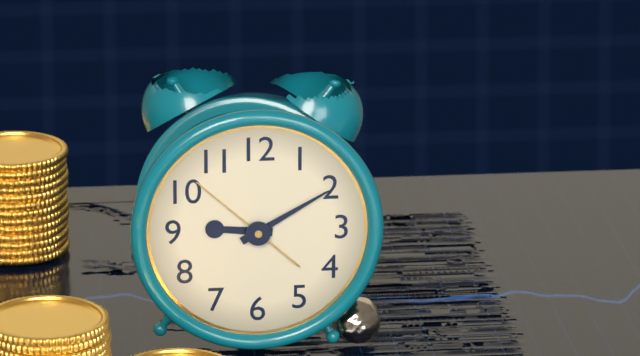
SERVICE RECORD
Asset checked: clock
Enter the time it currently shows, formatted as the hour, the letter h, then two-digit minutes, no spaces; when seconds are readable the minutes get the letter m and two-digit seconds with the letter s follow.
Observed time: 9h10m52s
